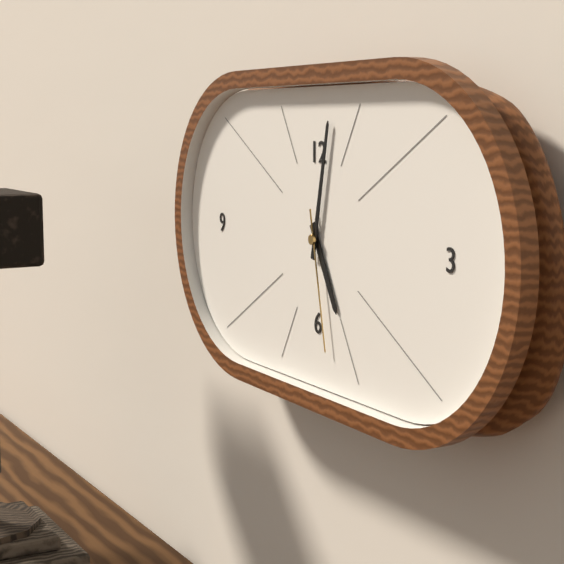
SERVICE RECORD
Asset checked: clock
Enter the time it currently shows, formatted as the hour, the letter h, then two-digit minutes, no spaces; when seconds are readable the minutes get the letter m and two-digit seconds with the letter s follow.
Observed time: 5h02m28s
